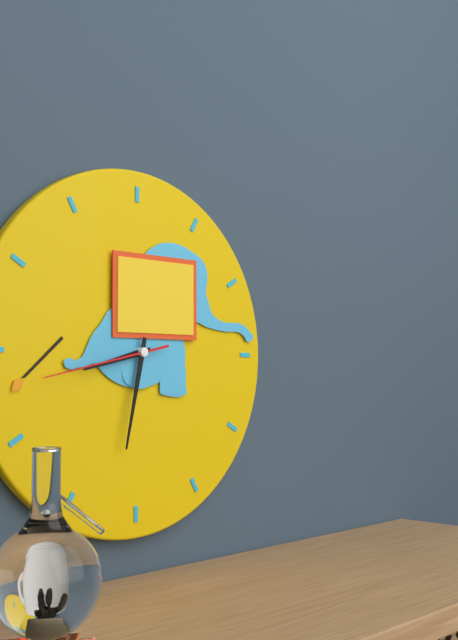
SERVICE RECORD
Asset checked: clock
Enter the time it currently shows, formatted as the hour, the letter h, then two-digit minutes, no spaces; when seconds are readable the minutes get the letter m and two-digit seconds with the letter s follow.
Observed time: 8h32m43s
